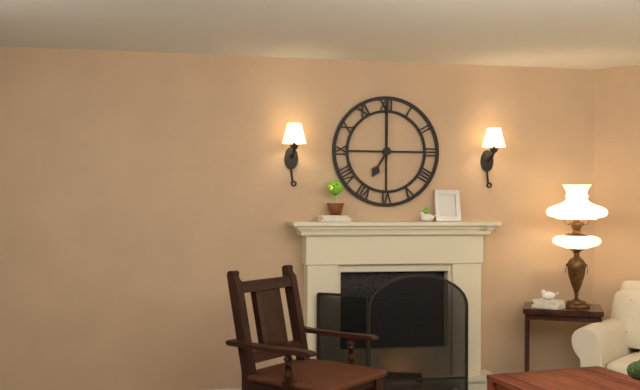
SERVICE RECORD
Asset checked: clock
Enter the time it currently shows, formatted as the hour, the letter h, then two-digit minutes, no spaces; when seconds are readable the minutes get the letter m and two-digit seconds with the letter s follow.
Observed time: 7h00
